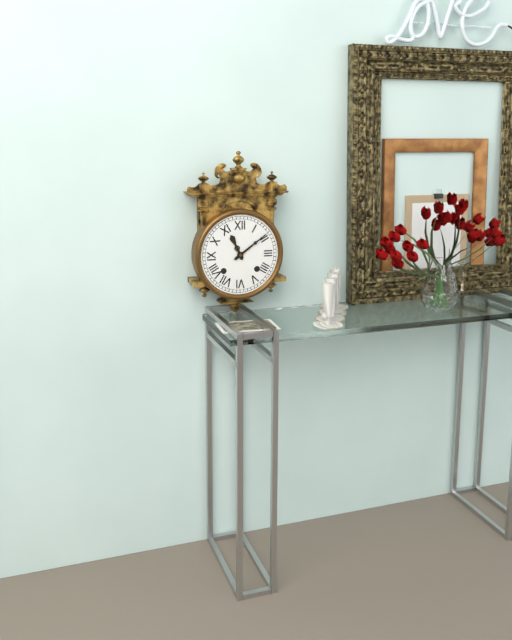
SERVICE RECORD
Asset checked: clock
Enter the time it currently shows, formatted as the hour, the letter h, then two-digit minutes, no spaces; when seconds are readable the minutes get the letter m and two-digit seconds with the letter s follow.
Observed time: 11h09
